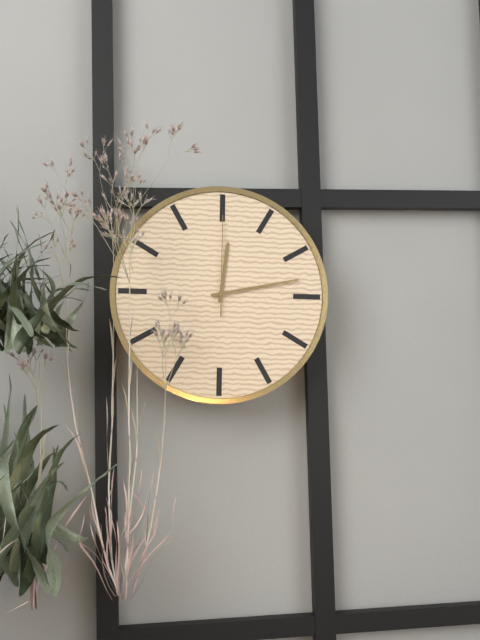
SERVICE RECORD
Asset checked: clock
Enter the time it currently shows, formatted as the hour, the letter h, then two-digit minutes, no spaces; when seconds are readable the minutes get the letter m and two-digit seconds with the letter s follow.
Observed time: 12h13m00s
